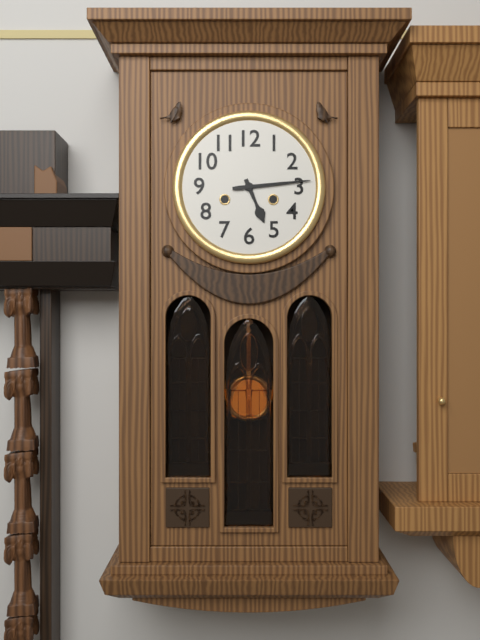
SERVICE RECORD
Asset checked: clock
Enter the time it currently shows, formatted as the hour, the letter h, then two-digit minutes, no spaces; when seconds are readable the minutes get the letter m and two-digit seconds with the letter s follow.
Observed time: 5h14
